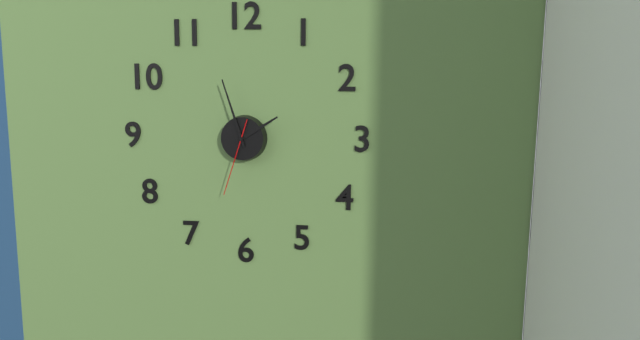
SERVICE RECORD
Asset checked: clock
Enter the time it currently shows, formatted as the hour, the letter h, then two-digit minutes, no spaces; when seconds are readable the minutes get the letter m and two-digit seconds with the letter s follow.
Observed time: 1h57m33s
